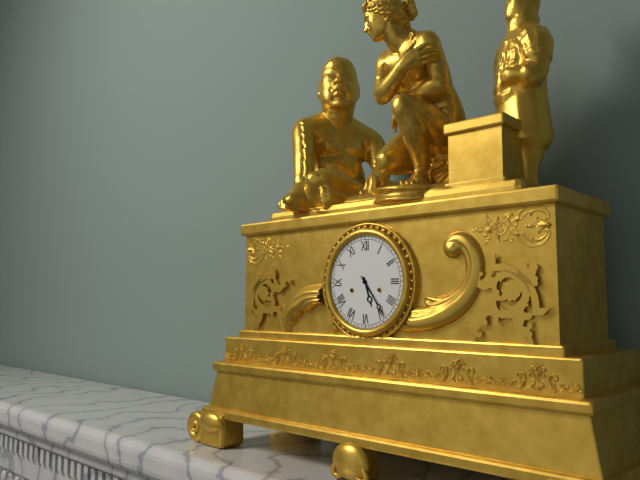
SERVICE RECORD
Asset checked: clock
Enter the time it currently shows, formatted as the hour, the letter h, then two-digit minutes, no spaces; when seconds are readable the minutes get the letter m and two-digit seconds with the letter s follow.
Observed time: 5h24
